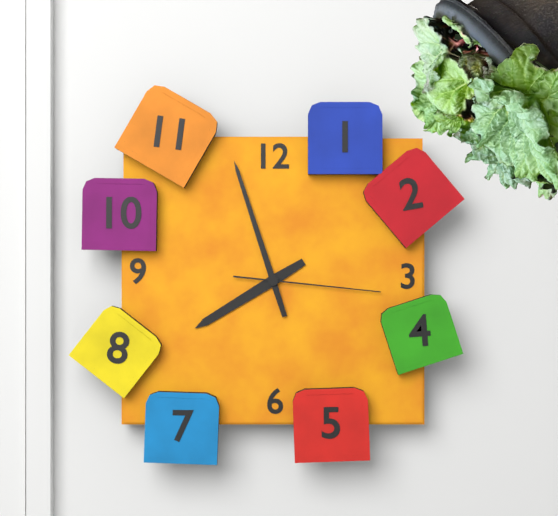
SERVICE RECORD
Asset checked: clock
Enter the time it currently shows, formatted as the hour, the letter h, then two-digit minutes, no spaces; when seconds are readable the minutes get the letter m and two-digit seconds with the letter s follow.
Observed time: 7h57m16s
